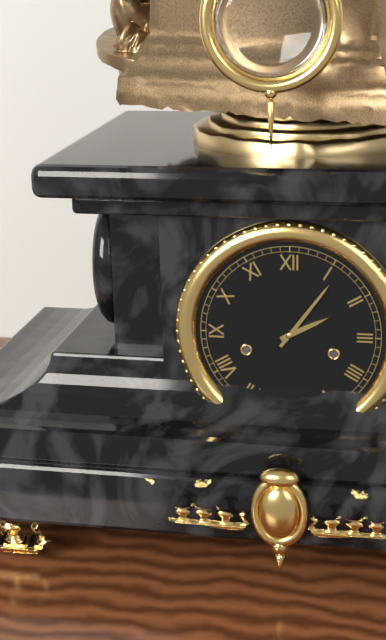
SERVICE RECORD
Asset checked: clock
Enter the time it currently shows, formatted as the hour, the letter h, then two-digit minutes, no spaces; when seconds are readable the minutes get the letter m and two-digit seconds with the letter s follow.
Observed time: 2h06
